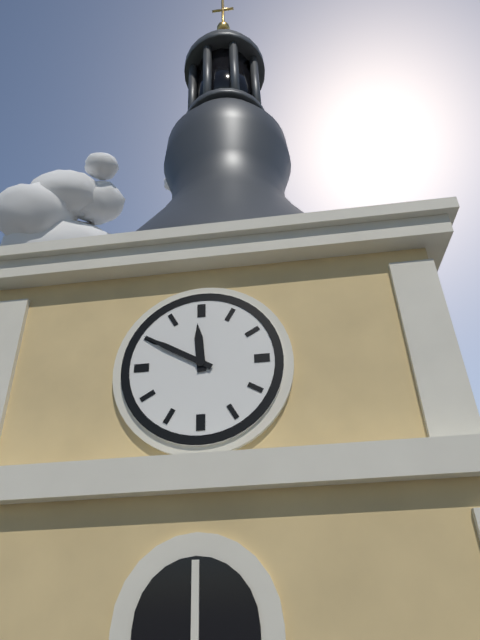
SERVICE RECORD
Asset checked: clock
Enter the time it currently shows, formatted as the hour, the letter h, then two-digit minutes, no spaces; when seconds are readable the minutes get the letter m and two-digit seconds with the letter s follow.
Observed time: 11h50
